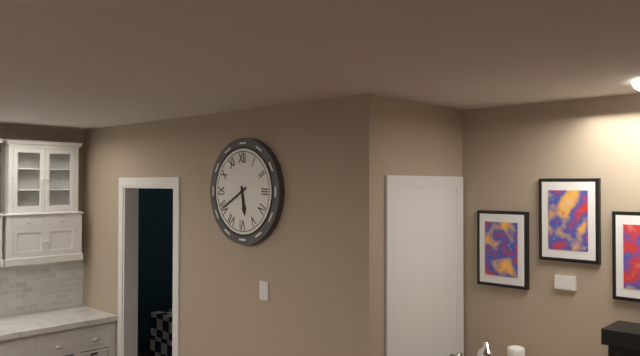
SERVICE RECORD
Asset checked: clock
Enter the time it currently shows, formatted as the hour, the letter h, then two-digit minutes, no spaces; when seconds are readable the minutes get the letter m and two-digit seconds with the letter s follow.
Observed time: 5h40
